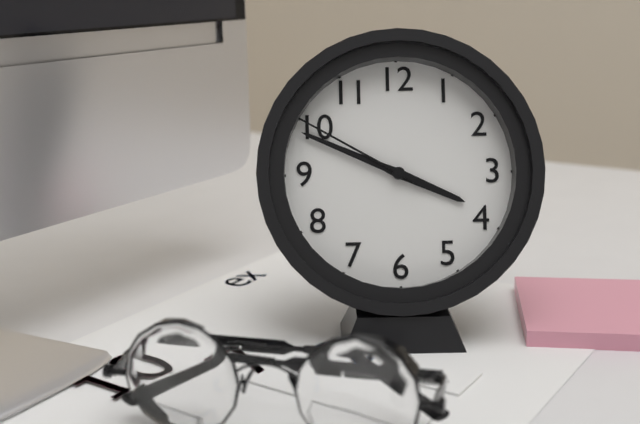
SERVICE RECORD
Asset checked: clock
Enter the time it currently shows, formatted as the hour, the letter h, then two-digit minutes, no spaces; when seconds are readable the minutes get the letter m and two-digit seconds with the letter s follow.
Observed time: 3h49m50s
